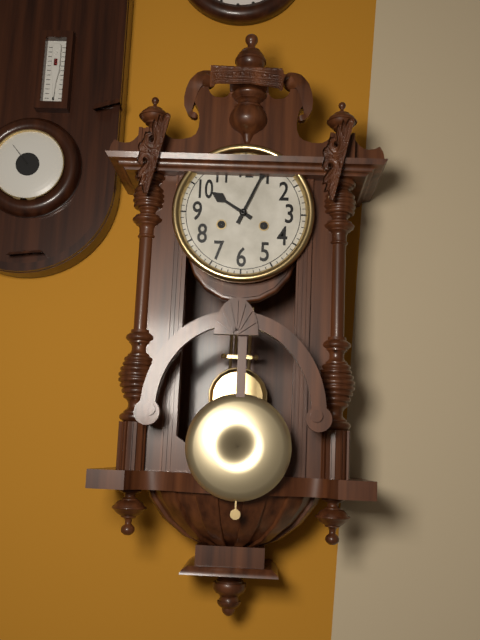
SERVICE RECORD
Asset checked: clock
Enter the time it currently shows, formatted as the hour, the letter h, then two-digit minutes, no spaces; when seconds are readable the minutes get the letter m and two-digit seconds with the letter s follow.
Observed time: 10h04
